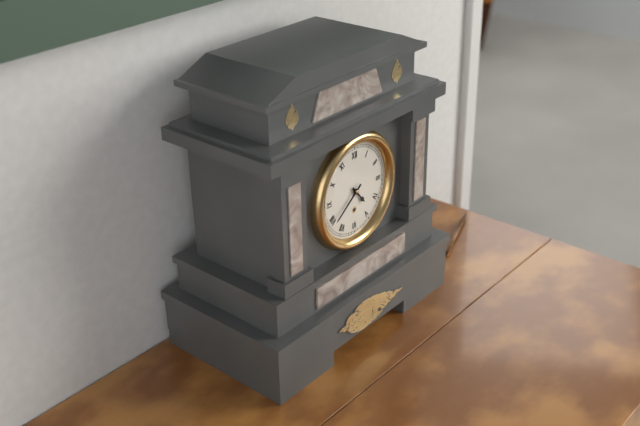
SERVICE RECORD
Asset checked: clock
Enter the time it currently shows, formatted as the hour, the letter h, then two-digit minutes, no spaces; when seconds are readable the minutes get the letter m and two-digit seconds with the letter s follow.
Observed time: 4h39
